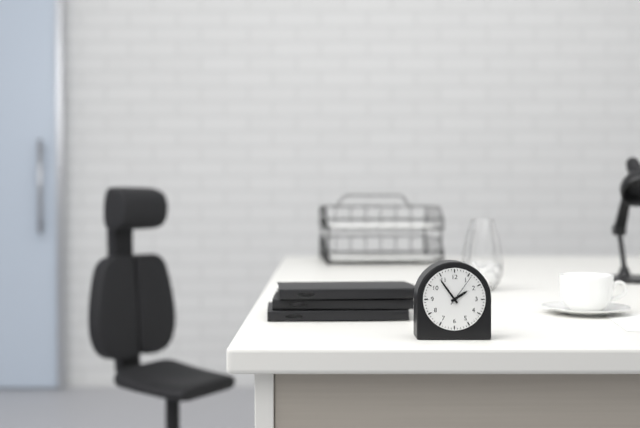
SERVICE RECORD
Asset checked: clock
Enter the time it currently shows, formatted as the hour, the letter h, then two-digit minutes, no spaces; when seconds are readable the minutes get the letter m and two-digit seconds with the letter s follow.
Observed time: 1h54
